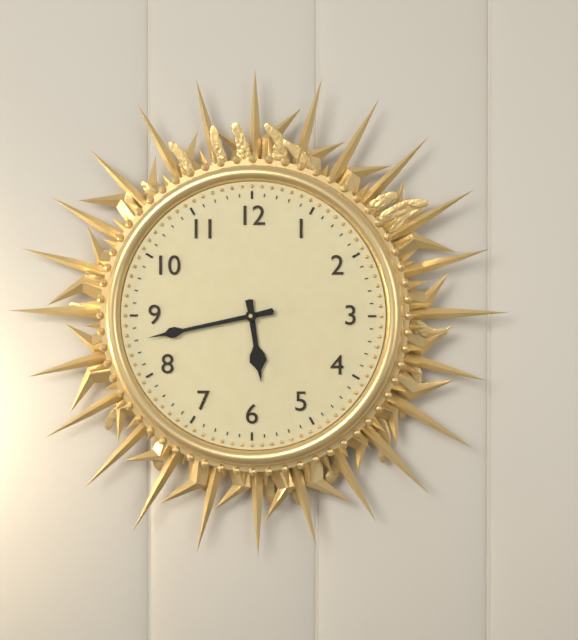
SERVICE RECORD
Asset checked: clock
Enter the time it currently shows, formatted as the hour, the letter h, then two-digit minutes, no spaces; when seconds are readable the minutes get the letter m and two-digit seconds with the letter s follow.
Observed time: 5h43
